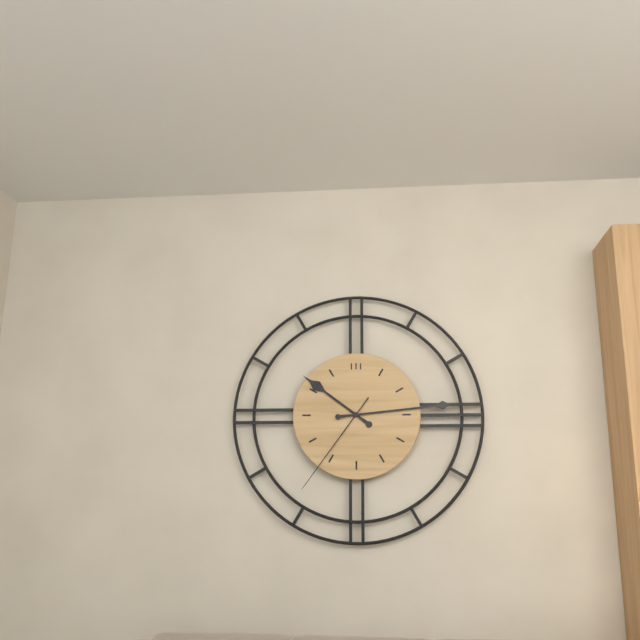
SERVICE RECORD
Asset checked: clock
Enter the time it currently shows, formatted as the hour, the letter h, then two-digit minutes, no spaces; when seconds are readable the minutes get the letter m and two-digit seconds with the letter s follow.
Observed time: 10h14m36s
